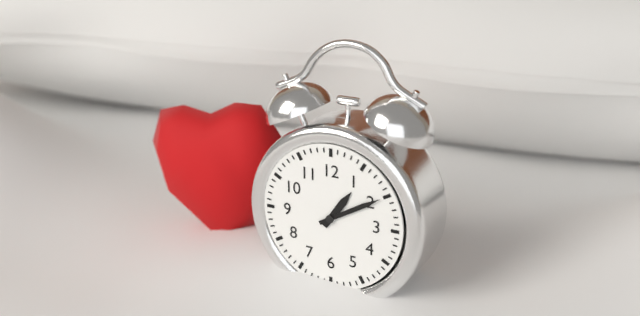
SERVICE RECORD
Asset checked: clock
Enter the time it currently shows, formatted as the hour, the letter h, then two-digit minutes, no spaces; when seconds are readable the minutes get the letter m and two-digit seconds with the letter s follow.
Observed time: 1h10
